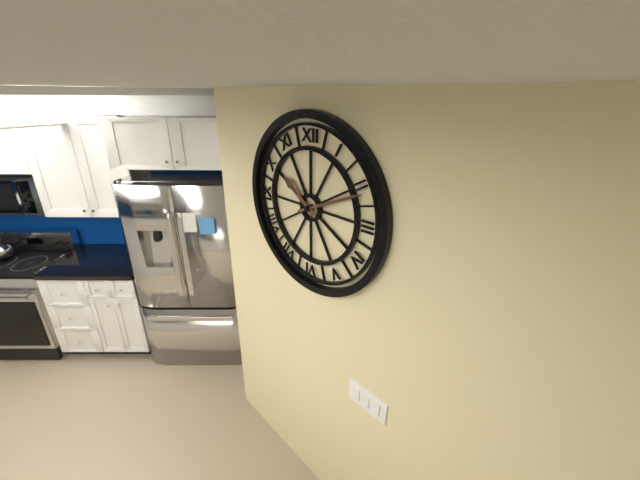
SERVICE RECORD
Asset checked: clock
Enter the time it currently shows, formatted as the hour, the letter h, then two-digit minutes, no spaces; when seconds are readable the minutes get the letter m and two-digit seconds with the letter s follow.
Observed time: 10h11
